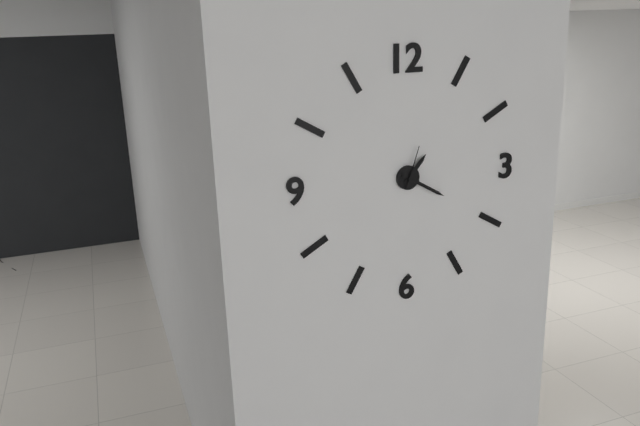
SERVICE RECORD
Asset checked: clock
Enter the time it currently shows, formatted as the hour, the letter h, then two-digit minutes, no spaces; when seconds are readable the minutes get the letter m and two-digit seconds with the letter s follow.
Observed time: 1h20
